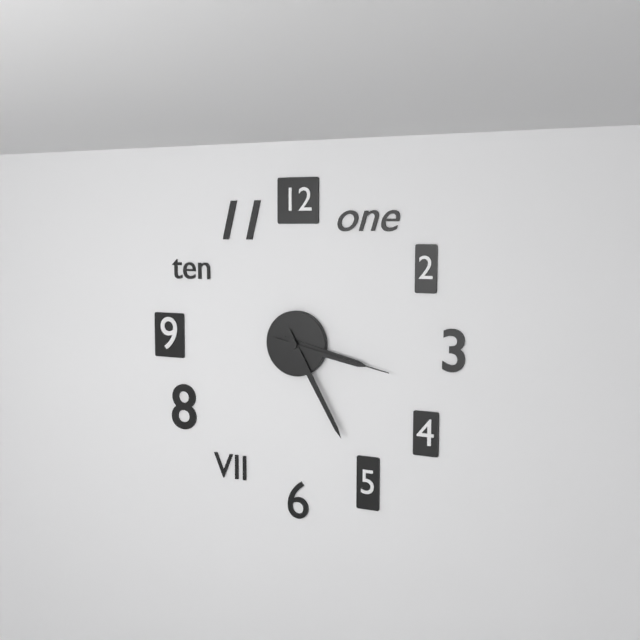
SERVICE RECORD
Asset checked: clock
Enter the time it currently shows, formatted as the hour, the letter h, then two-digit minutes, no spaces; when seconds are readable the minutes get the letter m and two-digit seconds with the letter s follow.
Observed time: 3h25m17s
